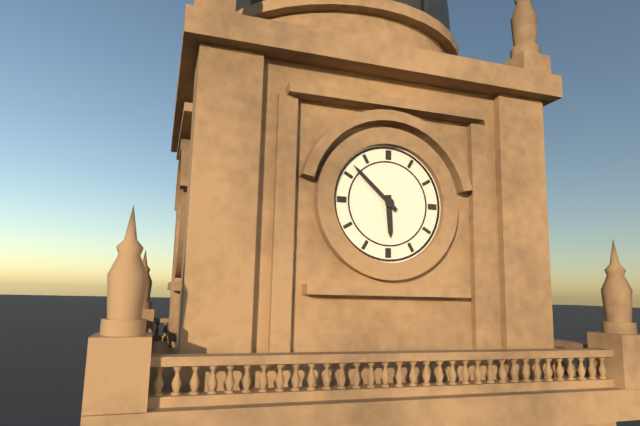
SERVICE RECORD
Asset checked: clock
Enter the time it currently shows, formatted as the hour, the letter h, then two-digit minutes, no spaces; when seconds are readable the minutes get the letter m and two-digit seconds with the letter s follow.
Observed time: 5h52
